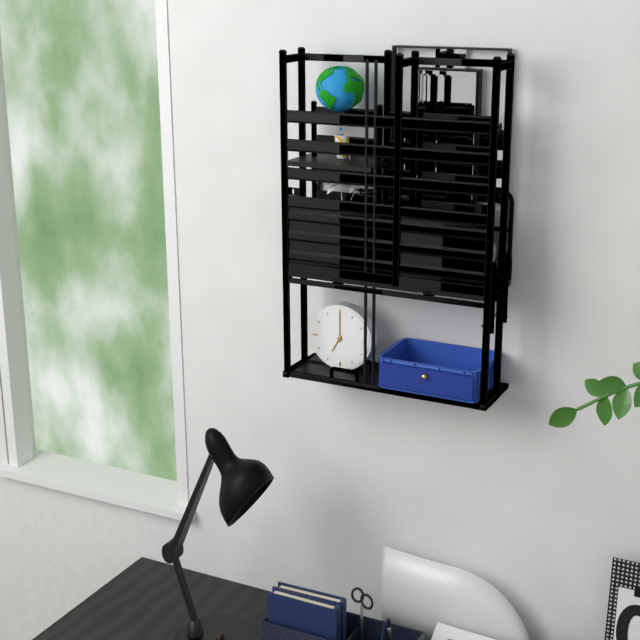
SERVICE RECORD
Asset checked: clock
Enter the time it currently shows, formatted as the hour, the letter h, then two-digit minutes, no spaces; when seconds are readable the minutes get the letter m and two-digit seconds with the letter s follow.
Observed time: 7h00
